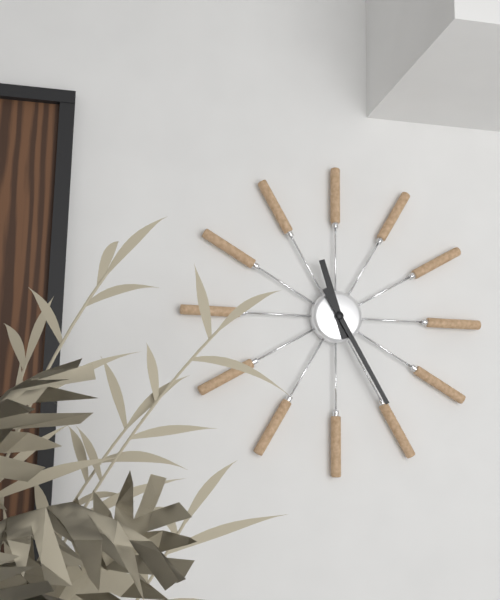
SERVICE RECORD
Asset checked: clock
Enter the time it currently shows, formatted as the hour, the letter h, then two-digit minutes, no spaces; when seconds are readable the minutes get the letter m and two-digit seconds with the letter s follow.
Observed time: 11h25
